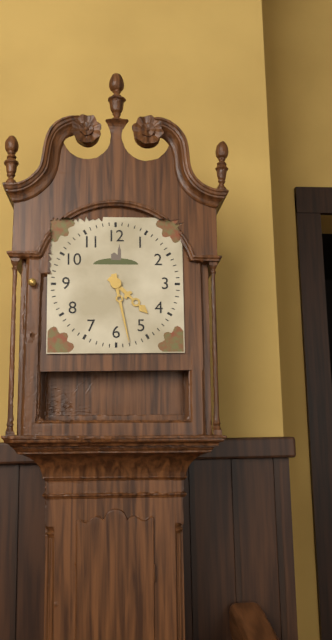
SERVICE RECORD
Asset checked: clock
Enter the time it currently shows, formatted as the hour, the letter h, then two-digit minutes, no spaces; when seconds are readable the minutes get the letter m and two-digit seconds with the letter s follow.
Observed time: 4h28
